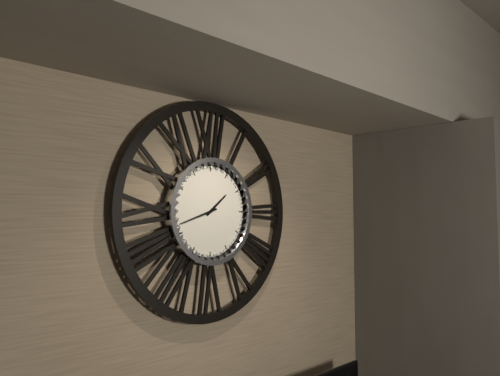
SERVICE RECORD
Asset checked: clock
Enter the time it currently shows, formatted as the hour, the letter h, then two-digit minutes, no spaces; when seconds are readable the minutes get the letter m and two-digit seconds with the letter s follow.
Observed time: 1h42
